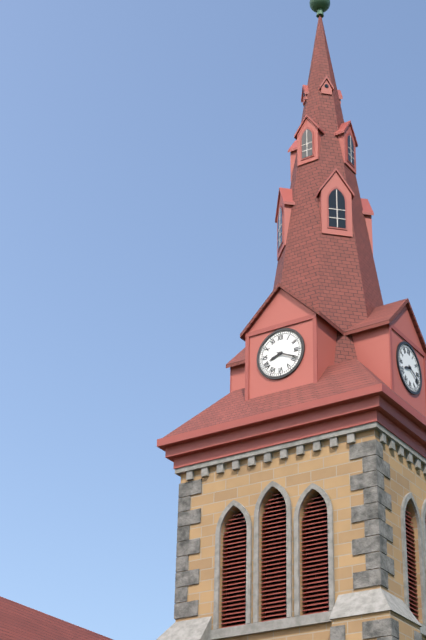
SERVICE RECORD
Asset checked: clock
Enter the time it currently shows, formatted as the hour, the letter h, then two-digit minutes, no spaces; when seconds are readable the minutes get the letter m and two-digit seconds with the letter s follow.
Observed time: 8h19
